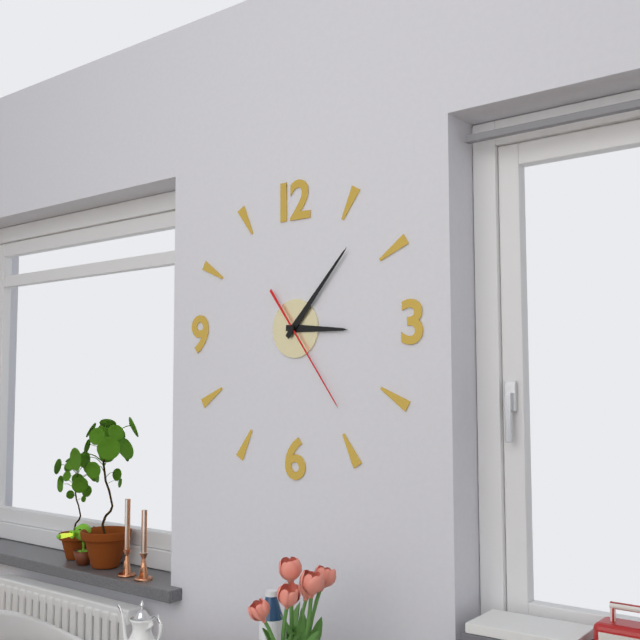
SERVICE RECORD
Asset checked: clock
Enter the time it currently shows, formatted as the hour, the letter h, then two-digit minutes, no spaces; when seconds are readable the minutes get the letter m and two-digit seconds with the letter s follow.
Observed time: 3h07m24s
